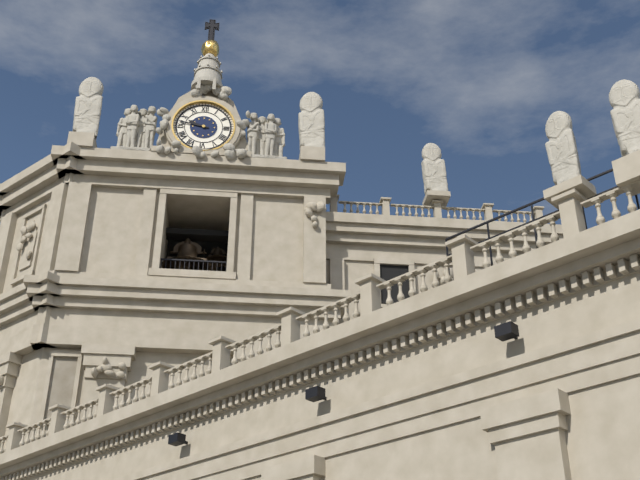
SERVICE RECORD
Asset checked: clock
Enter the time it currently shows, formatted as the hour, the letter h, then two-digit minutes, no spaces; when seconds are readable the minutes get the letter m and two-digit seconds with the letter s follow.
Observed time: 9h47
